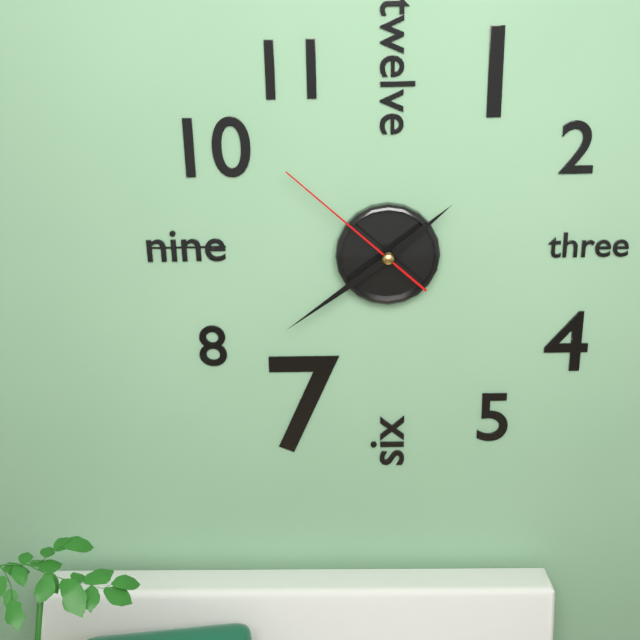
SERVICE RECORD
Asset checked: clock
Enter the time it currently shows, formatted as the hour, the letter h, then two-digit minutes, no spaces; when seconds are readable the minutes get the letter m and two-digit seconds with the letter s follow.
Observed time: 1h39m52s
